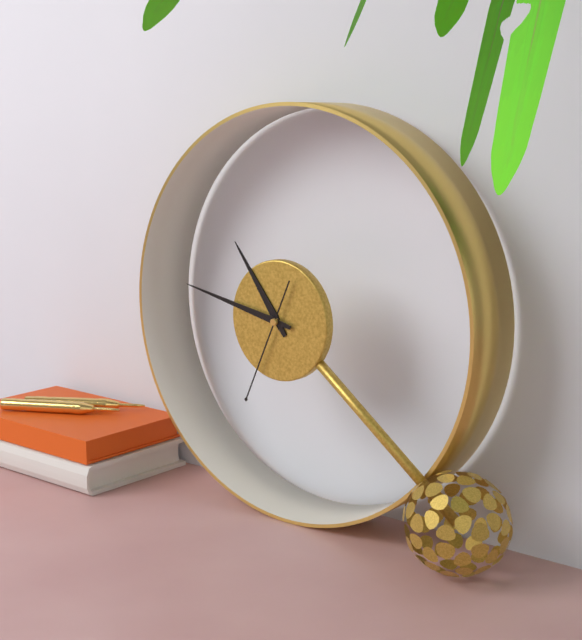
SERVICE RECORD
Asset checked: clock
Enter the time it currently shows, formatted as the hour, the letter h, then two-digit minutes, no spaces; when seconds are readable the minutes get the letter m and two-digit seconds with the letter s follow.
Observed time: 10h47m34s
